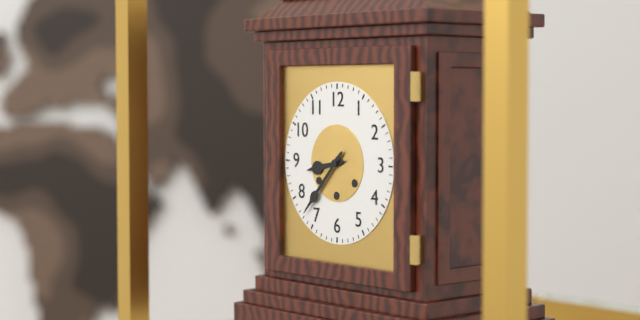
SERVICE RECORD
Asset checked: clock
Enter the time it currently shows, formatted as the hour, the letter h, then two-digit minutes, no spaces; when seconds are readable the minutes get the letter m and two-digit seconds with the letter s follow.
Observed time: 8h37
